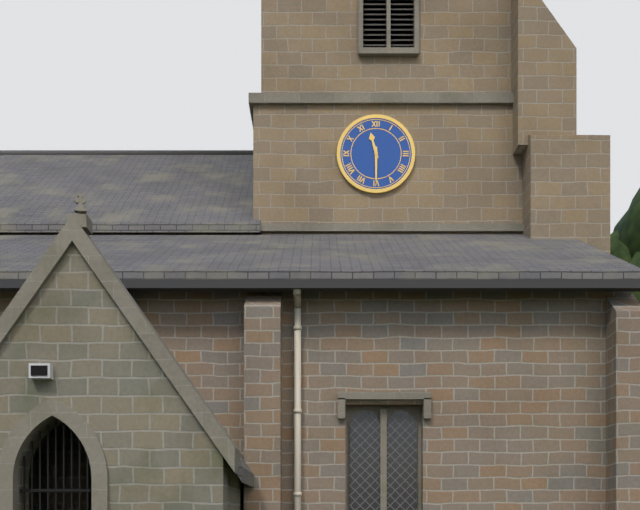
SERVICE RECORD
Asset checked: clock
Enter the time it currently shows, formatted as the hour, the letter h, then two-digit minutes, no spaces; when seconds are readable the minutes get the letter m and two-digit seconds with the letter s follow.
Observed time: 11h30
